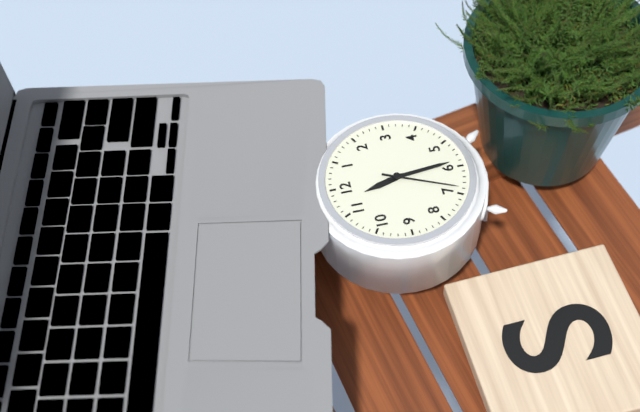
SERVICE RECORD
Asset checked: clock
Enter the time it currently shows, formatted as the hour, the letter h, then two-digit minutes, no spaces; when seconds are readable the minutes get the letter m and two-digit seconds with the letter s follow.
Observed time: 11h29m34s
